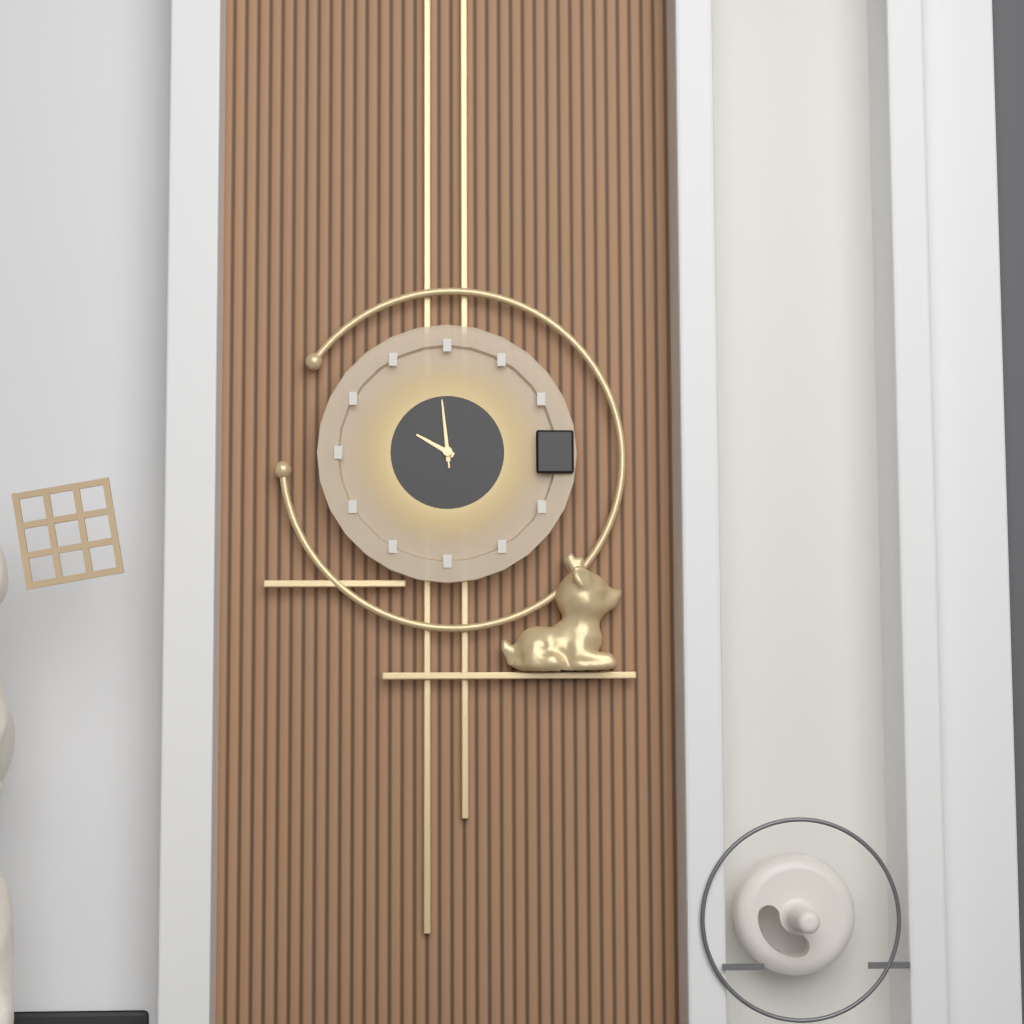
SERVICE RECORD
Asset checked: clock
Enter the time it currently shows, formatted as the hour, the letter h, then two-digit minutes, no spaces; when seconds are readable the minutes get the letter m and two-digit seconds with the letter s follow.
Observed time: 9h59m59s
